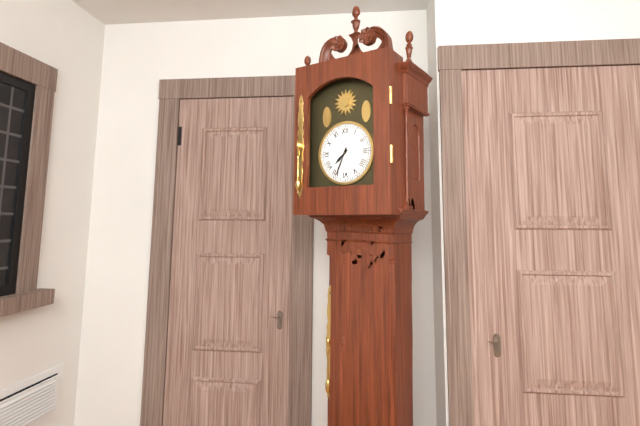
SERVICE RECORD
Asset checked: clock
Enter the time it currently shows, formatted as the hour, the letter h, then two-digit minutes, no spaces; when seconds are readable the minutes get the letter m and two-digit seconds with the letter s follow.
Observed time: 7h34
